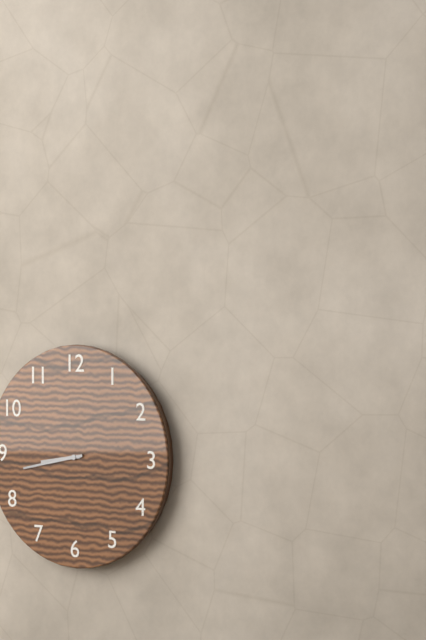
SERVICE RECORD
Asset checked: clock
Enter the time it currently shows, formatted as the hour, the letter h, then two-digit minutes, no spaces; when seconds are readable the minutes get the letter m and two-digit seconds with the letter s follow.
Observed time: 8h43
